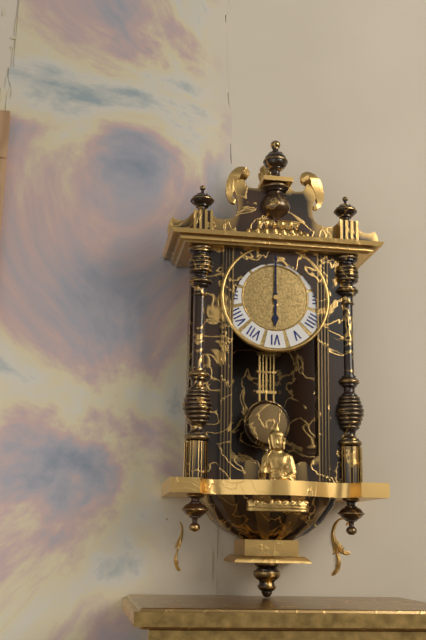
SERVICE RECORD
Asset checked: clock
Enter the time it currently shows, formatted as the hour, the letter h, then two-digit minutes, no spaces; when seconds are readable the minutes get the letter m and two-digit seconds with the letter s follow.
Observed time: 6h00
